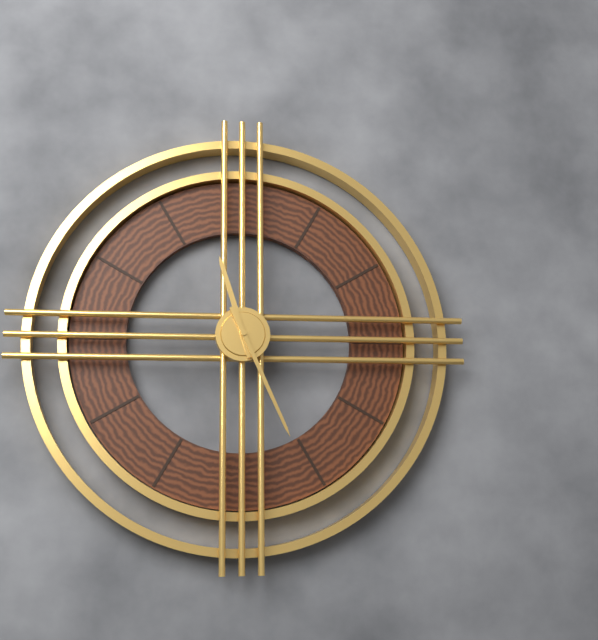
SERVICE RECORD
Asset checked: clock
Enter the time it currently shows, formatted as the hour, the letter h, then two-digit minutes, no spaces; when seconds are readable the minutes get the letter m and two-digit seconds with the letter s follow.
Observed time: 11h26
